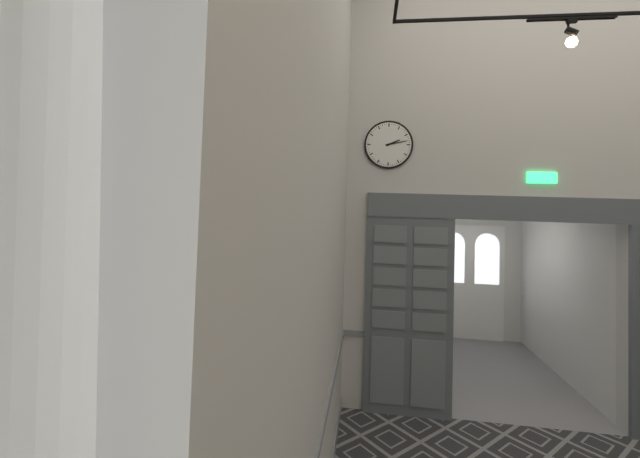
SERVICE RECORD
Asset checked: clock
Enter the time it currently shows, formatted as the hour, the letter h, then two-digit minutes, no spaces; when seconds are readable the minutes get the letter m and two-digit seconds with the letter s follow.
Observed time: 2h13
